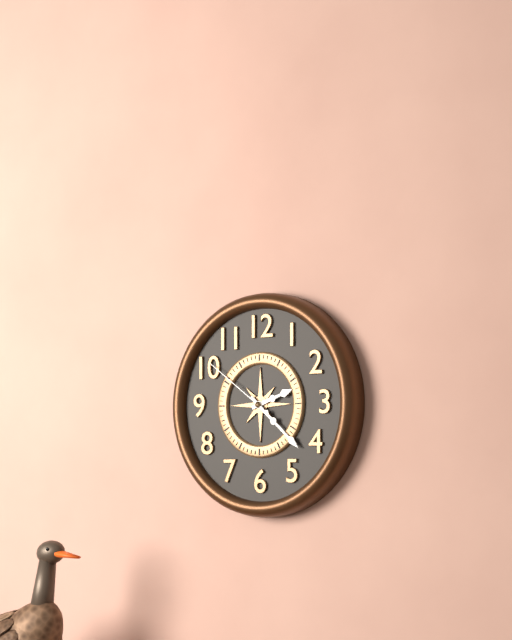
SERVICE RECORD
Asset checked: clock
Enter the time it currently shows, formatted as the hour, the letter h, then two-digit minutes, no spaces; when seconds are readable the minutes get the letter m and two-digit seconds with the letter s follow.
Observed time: 2h22m51s
